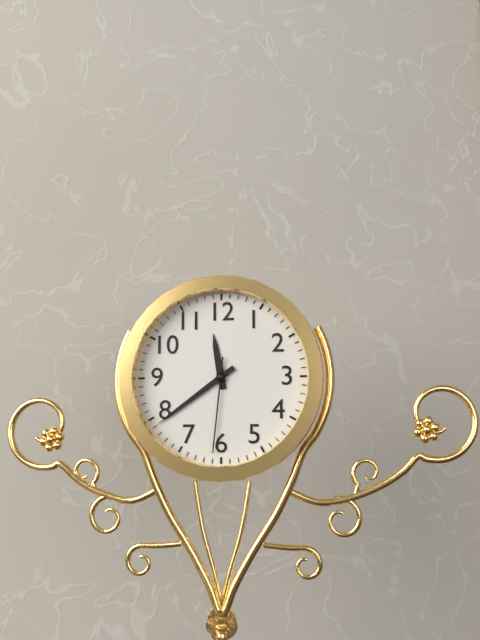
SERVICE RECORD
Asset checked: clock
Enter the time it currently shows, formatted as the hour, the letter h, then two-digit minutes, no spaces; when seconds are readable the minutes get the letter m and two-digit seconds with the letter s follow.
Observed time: 11h39m31s
